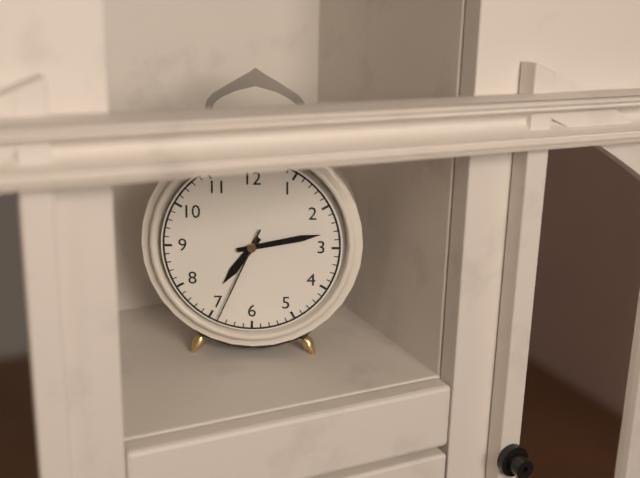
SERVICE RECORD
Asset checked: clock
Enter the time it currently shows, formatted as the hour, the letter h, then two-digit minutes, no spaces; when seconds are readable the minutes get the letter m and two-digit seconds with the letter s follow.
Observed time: 7h13m34s
